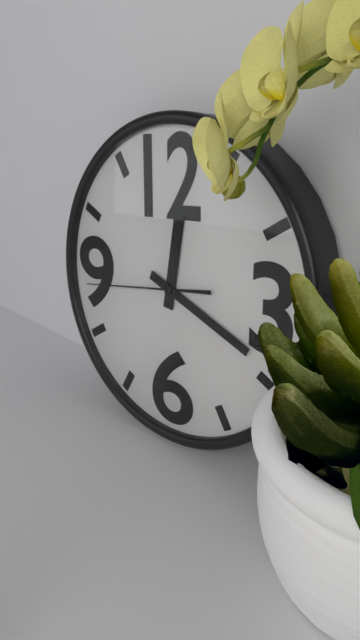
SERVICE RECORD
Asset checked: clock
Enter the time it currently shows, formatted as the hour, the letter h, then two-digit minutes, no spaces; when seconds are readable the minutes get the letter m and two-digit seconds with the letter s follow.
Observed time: 12h19m44s
